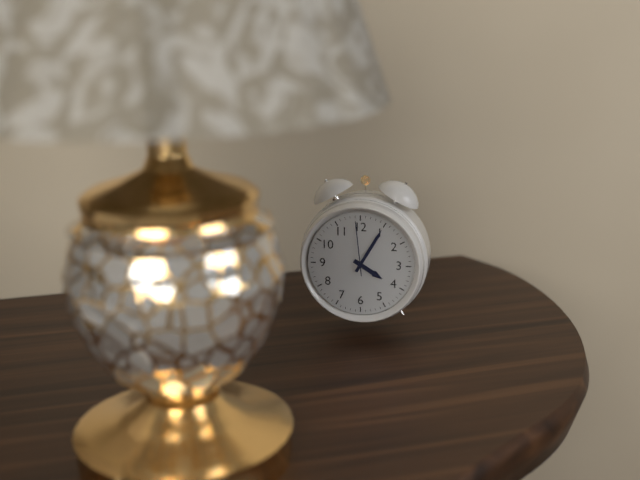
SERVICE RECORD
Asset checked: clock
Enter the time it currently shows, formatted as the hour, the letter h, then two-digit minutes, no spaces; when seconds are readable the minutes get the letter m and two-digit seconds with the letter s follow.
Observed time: 4h05m59s
